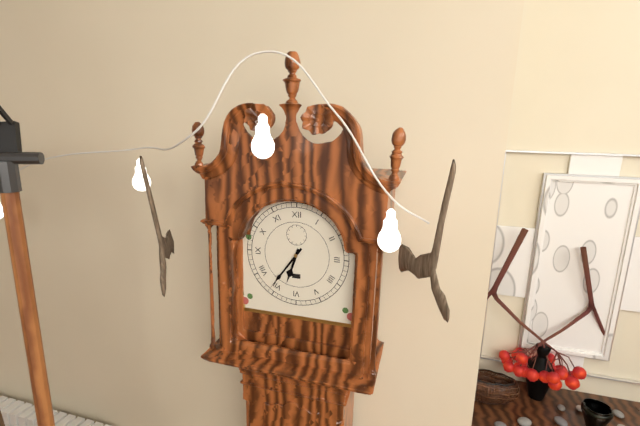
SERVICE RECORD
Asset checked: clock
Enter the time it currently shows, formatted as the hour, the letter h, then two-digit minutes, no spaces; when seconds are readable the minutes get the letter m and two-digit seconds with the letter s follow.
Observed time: 6h36
